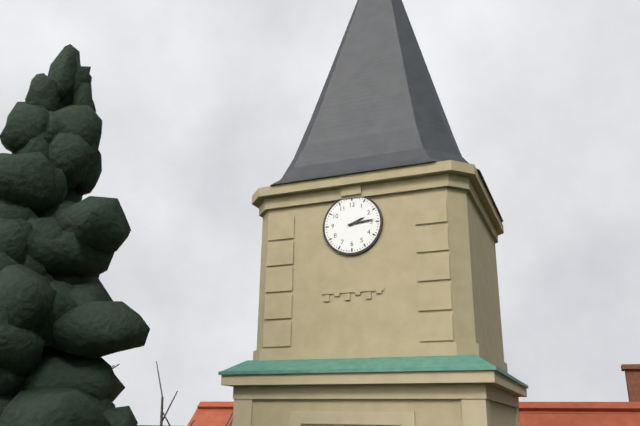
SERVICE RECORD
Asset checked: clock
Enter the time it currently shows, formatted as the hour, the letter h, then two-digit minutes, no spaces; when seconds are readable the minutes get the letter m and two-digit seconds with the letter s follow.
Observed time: 2h14
